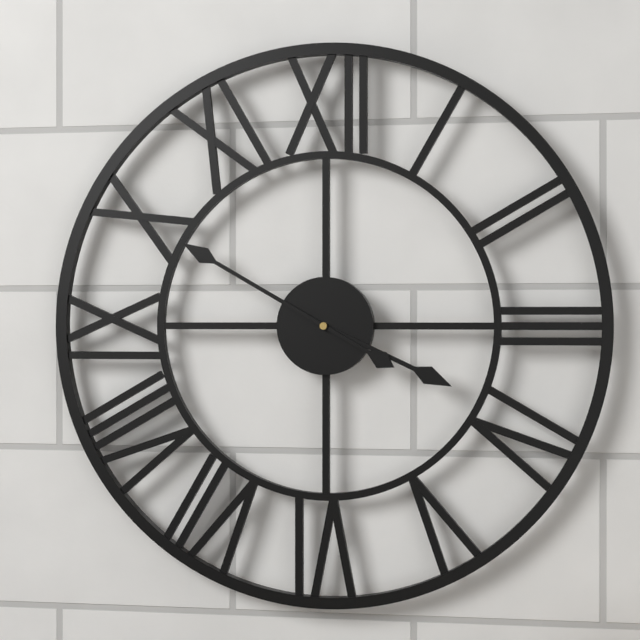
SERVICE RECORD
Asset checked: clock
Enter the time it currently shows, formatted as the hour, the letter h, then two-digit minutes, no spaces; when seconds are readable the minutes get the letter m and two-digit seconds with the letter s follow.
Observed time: 3h50
